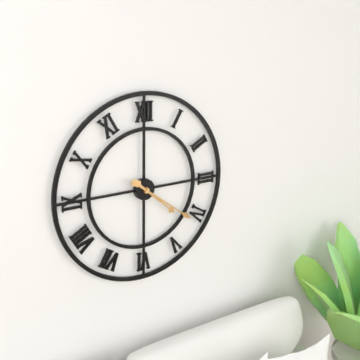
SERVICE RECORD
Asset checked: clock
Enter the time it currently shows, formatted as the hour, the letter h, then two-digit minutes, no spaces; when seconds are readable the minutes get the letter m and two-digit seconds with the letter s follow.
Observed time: 4h21
